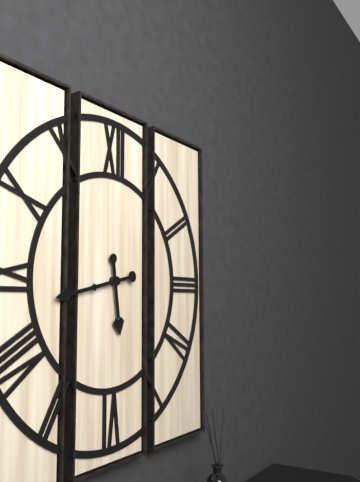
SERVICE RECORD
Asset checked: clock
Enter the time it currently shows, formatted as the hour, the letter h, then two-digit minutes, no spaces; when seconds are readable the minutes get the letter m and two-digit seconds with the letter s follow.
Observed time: 5h43
